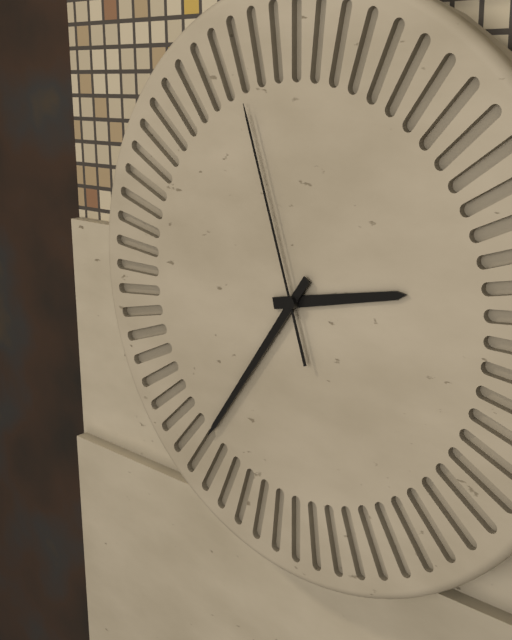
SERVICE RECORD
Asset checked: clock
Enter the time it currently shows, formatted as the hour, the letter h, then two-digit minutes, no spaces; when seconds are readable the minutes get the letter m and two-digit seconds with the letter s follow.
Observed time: 2h36m57s
